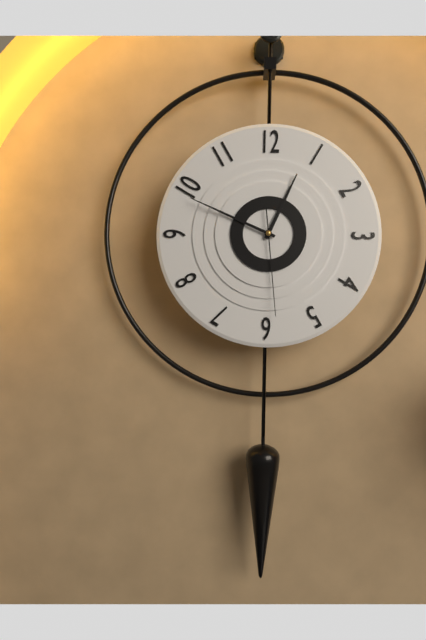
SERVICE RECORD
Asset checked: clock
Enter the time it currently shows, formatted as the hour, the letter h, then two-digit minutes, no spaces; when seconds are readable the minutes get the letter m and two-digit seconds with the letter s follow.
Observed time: 12h49m29s
